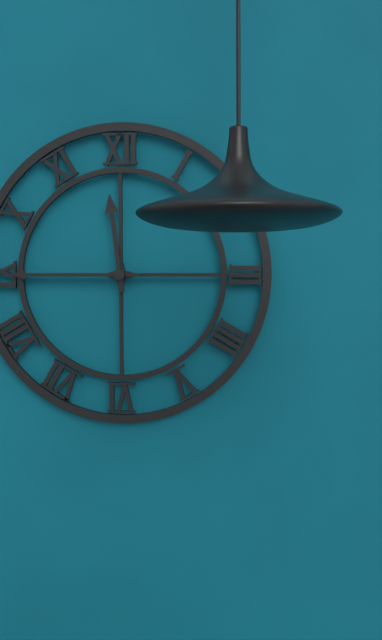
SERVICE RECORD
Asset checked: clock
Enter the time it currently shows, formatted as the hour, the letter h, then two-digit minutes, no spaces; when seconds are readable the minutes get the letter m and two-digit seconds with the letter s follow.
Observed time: 11h45
